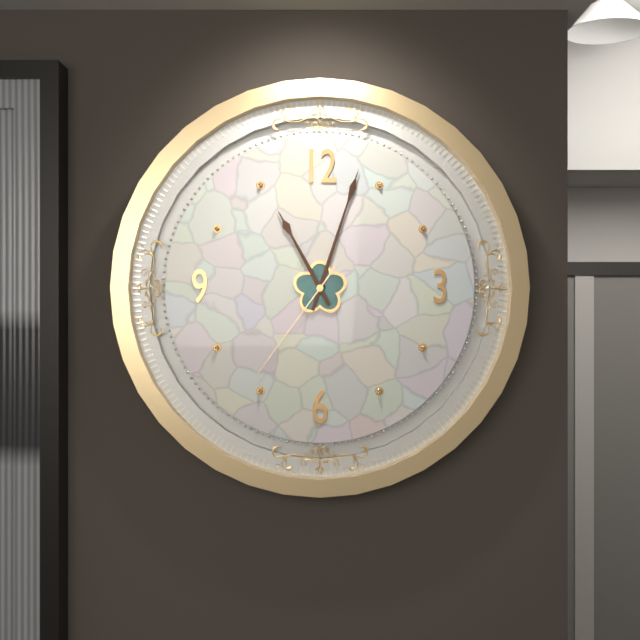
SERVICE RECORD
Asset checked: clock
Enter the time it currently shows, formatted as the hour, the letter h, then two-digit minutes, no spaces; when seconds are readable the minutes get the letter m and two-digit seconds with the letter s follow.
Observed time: 11h03m36s
